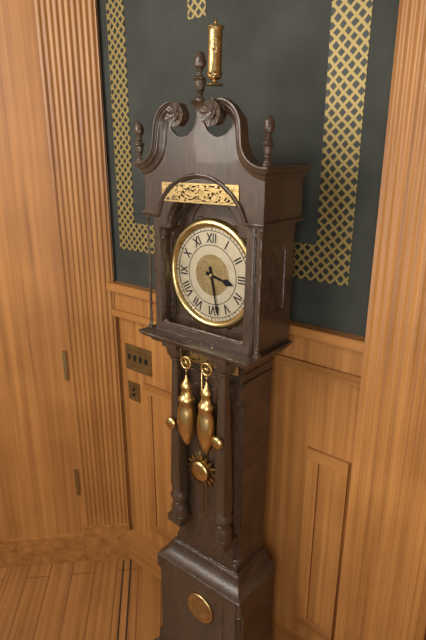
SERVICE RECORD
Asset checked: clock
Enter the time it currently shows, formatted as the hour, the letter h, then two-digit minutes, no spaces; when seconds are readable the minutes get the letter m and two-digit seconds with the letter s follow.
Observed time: 3h28
